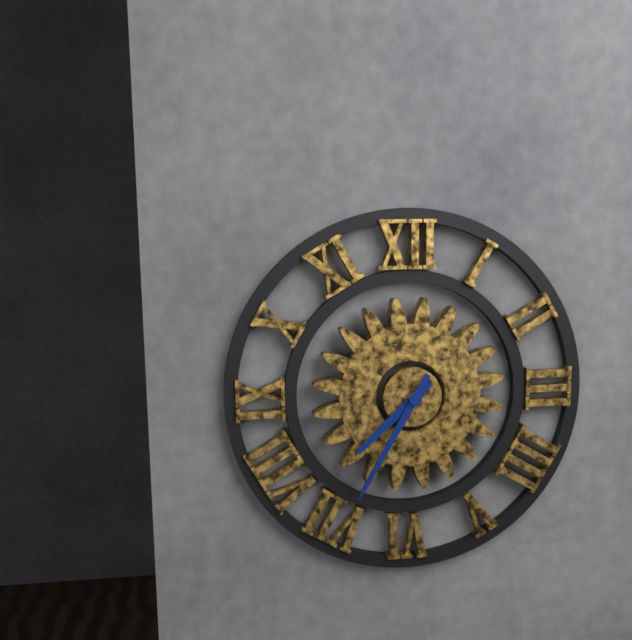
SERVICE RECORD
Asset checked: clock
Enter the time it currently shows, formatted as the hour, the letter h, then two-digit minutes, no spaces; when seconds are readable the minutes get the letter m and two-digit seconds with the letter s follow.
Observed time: 7h35
